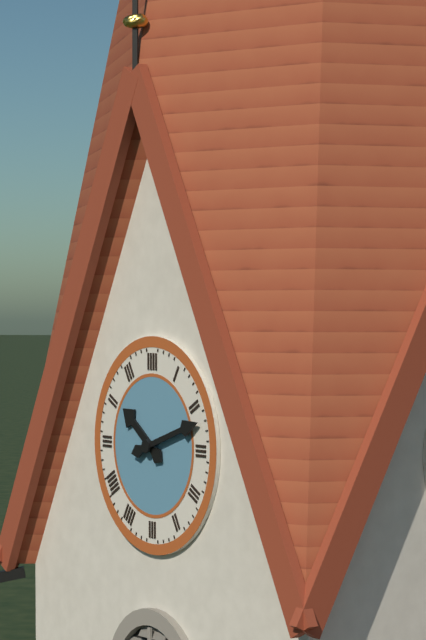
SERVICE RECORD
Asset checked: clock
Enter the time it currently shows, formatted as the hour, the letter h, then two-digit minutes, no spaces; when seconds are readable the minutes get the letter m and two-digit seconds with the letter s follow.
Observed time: 10h12
